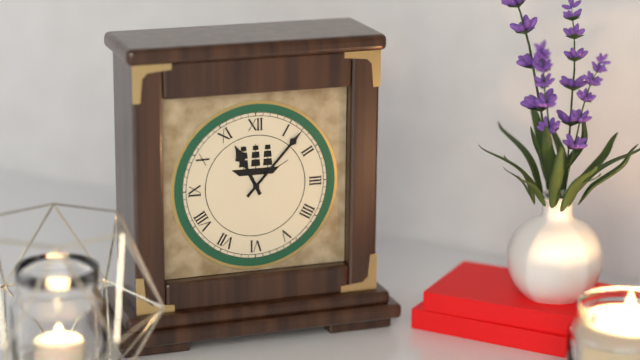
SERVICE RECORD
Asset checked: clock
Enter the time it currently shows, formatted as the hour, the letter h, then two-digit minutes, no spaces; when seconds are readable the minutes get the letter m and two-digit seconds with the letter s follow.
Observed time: 11h07
